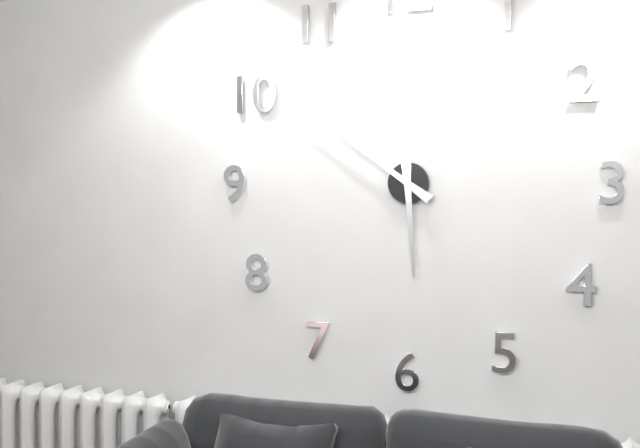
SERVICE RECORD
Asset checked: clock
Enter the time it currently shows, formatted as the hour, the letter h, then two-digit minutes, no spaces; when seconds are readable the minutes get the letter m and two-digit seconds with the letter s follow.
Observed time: 5h51
